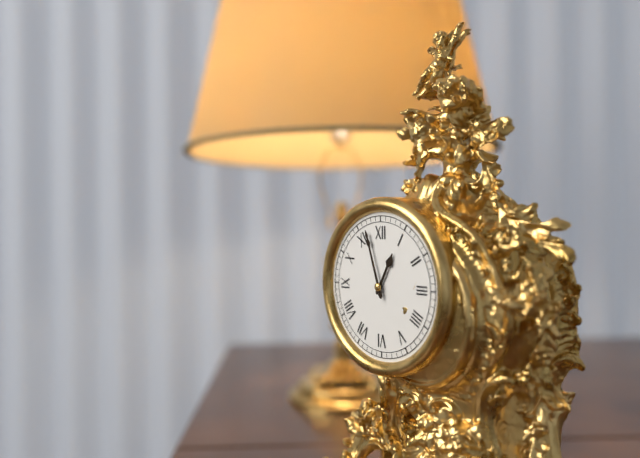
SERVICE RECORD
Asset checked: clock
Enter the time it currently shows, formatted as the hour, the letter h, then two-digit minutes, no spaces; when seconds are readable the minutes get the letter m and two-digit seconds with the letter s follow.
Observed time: 12h57
